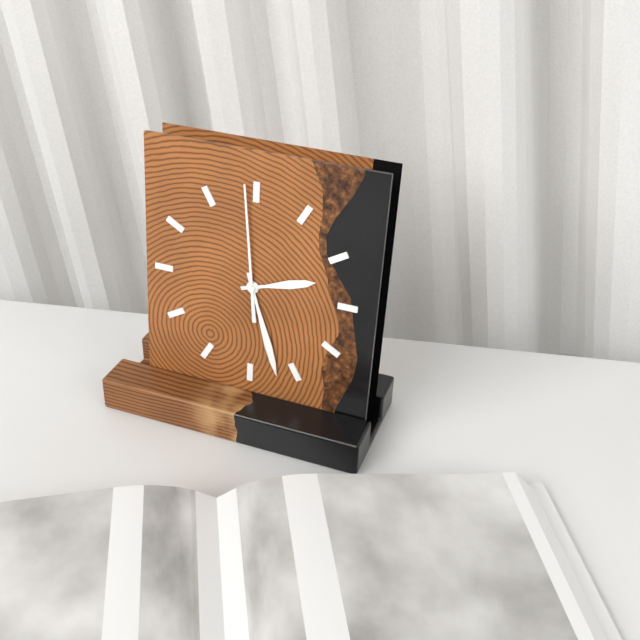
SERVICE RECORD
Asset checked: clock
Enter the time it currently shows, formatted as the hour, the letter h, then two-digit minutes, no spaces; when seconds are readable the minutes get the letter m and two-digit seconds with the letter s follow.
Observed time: 2h27m59s
